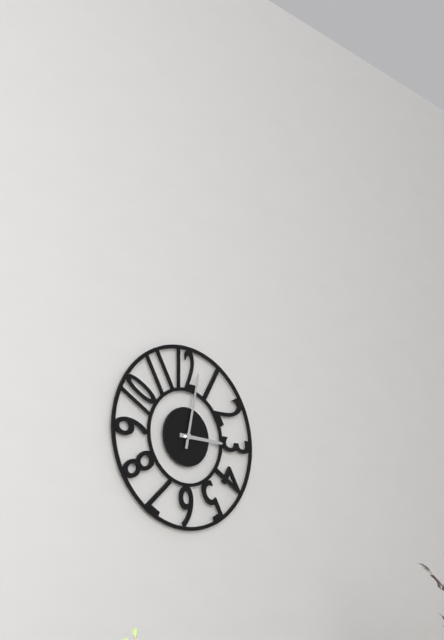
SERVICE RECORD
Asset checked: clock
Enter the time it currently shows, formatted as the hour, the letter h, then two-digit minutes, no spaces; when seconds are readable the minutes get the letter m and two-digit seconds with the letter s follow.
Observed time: 3h02
